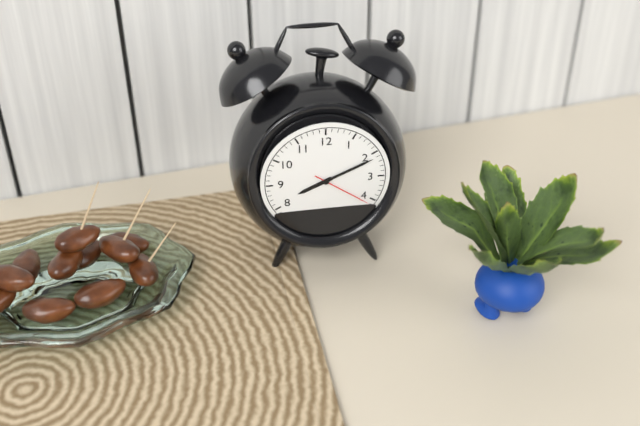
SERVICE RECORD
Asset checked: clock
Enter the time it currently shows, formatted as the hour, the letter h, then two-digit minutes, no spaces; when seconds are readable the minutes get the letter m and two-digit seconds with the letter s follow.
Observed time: 8h11m21s
